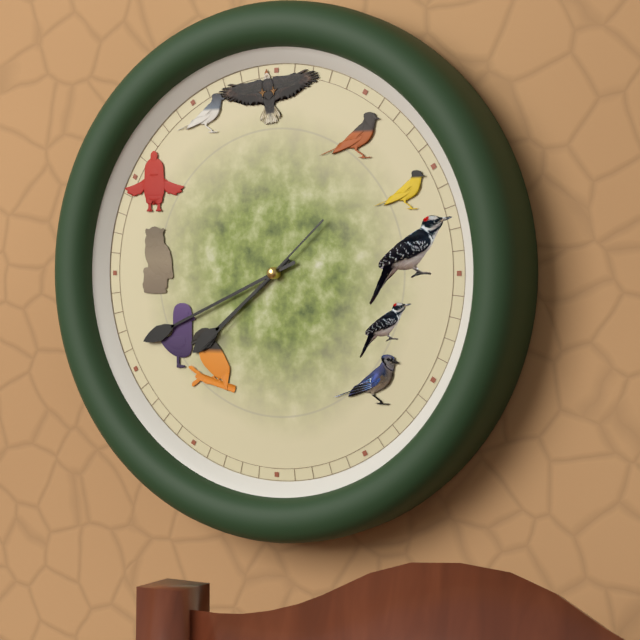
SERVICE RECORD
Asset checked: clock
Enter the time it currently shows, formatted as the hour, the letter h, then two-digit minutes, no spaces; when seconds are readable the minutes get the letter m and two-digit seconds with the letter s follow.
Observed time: 7h41m38s
